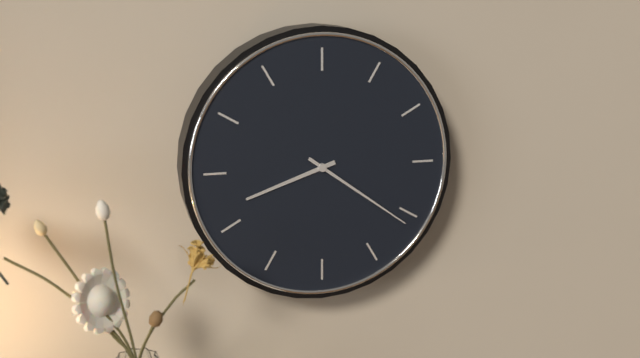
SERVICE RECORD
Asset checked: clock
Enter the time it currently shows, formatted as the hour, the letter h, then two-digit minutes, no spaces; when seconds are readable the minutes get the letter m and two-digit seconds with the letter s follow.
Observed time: 8h21
